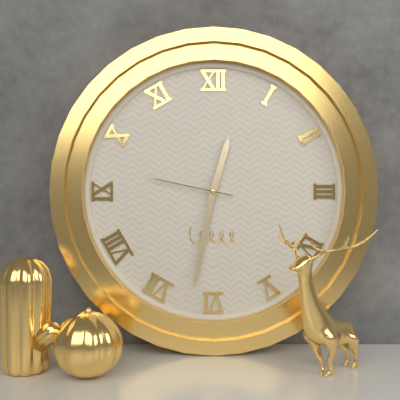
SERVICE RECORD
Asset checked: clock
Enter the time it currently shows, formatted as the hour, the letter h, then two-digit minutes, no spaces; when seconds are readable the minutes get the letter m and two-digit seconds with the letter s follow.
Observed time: 12h32m47s
